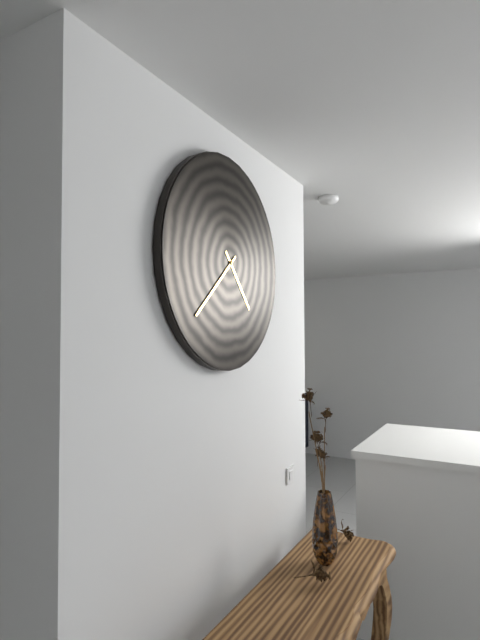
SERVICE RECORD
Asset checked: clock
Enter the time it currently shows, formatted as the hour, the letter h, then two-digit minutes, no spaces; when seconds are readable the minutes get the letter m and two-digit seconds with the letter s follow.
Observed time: 4h38
